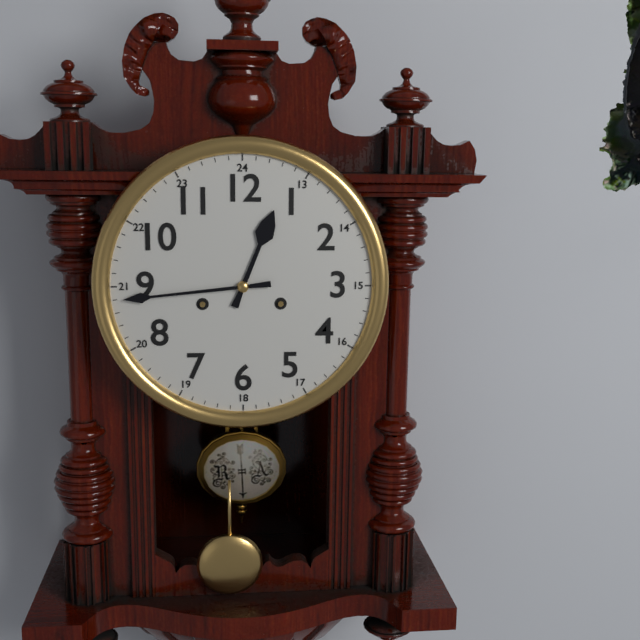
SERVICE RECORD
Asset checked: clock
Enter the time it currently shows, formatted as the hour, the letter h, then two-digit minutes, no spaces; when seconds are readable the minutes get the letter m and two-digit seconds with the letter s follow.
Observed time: 12h44
